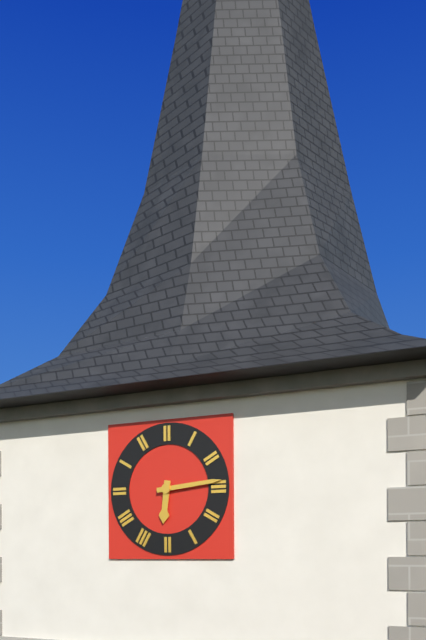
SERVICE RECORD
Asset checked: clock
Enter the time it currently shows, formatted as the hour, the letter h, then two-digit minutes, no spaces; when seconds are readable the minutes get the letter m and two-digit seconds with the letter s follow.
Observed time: 6h14
